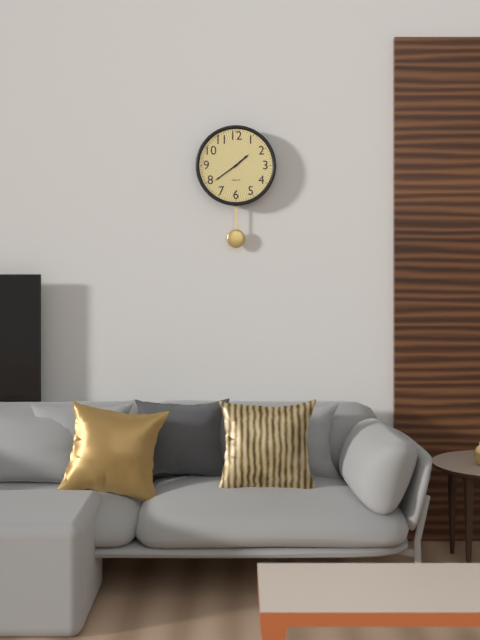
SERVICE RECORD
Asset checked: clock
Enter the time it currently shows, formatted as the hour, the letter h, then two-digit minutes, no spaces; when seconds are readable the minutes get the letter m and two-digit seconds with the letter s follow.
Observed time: 1h39
